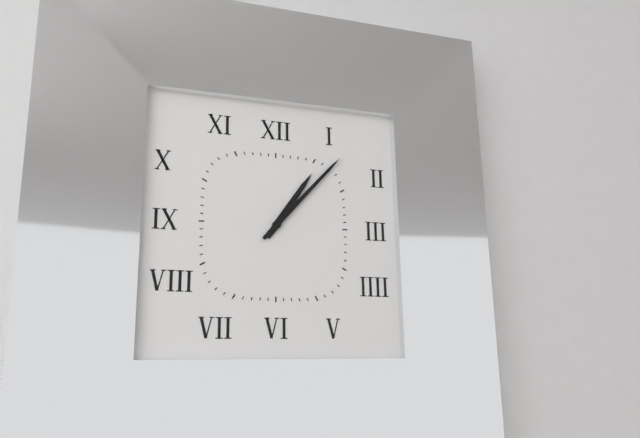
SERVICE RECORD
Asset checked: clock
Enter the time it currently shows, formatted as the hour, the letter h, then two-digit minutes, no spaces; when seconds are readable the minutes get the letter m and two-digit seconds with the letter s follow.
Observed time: 1h07
